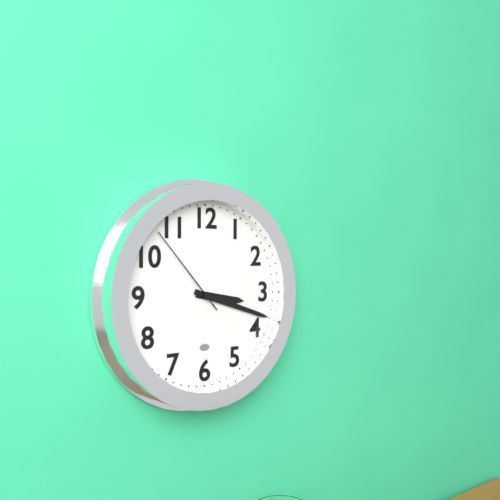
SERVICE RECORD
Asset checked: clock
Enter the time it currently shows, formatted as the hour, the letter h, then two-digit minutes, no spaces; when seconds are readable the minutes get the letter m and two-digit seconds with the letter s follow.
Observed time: 3h18m53s
